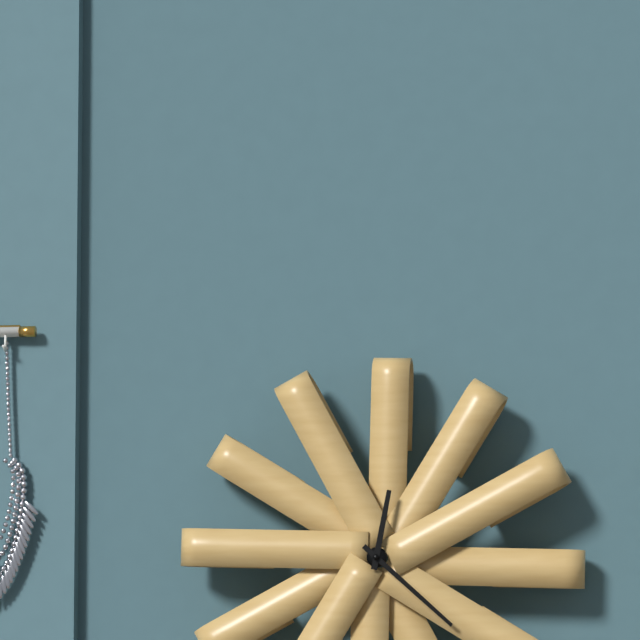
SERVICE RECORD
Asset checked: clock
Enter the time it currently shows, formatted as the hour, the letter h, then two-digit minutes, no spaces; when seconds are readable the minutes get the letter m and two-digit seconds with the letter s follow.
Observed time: 12h22
